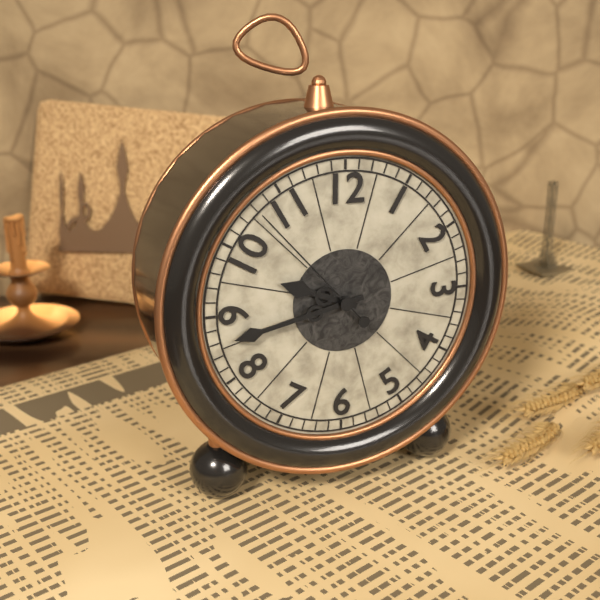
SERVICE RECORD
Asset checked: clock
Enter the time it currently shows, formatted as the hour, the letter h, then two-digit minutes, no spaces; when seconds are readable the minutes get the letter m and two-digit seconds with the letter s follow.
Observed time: 9h43m53s
